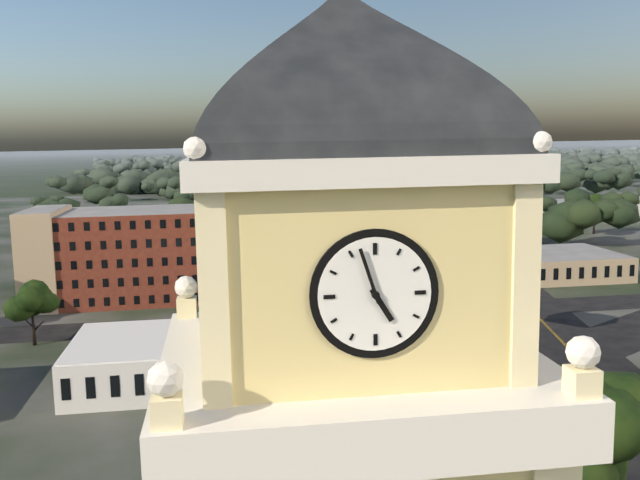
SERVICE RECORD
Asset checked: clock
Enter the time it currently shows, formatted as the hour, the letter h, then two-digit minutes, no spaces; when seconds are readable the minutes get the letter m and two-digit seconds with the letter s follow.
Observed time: 4h57
